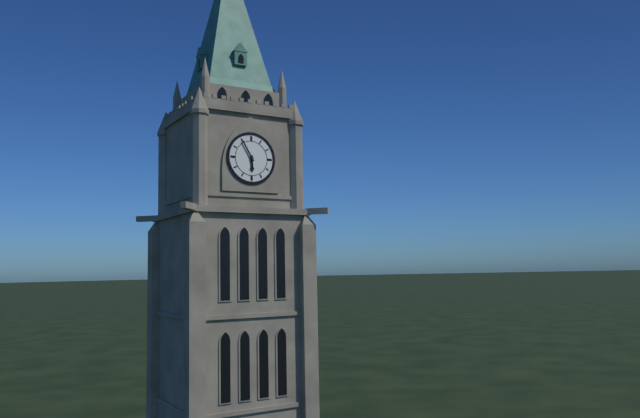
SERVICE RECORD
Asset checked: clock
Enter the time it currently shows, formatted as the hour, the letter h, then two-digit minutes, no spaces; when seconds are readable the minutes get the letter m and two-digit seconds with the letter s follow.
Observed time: 5h55
